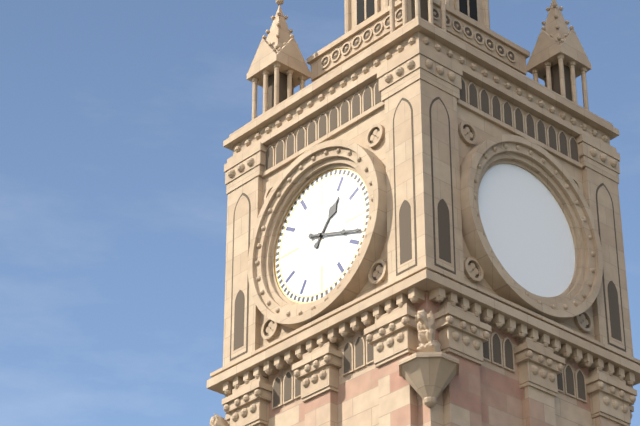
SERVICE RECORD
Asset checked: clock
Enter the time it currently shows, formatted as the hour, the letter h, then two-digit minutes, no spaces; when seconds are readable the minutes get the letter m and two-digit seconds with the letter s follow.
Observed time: 1h18
